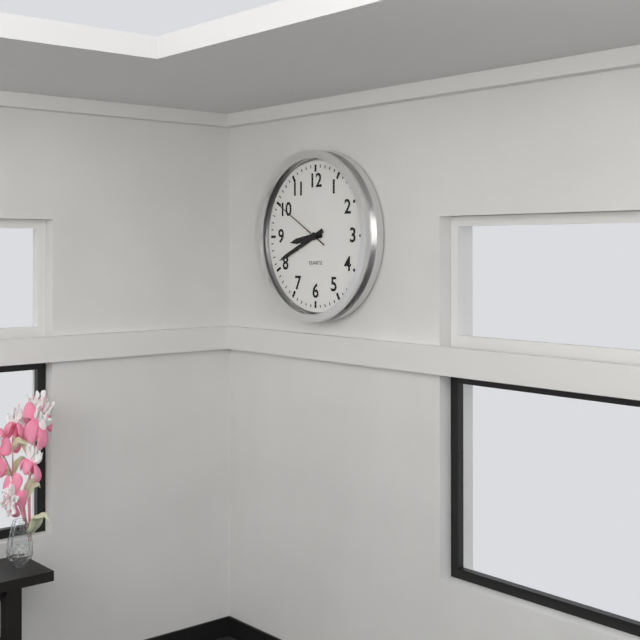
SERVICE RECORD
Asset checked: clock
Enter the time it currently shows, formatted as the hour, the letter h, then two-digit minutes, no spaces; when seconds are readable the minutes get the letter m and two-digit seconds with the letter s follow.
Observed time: 8h41m50s
